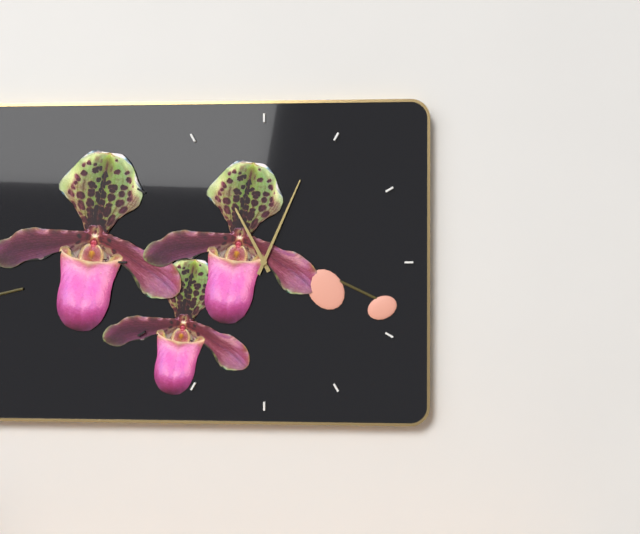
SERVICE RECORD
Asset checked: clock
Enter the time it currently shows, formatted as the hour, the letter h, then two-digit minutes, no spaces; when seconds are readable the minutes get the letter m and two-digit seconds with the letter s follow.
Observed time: 11h04
